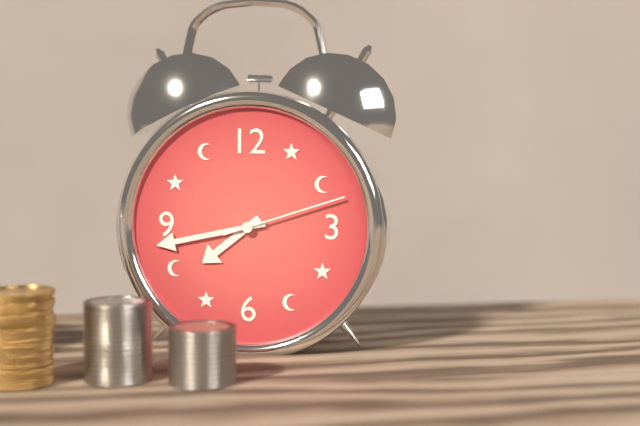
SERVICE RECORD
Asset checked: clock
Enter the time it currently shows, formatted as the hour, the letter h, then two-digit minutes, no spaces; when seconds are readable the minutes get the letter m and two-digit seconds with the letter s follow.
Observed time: 7h43m12s
